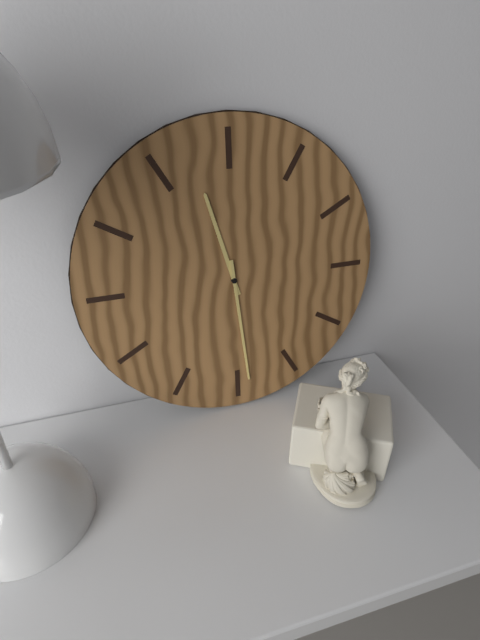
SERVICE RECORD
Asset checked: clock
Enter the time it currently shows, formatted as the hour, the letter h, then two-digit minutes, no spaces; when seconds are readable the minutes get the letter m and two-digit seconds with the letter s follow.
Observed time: 11h29
